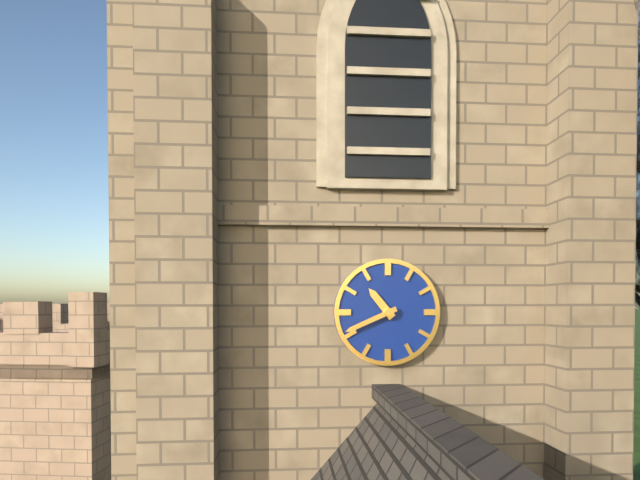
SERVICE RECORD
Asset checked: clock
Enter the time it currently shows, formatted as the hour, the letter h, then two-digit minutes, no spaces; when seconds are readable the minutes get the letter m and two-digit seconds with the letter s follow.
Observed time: 10h41
